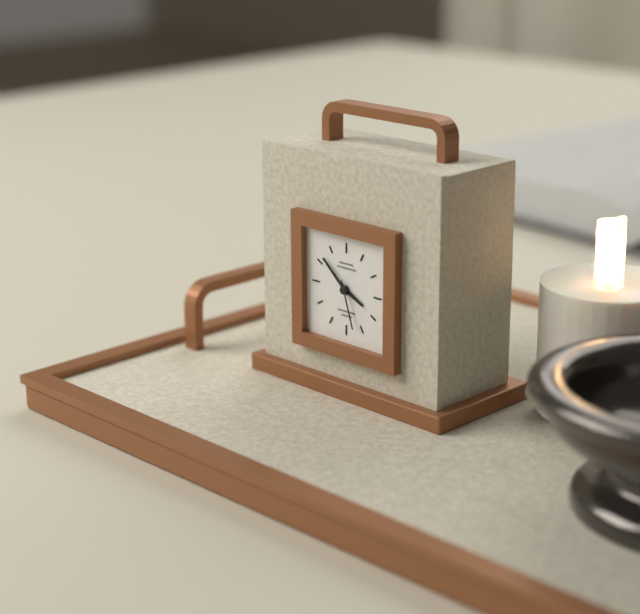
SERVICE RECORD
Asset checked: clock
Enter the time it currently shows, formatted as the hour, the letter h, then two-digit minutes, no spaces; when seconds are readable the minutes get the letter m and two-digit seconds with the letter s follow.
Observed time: 3h52m27s
